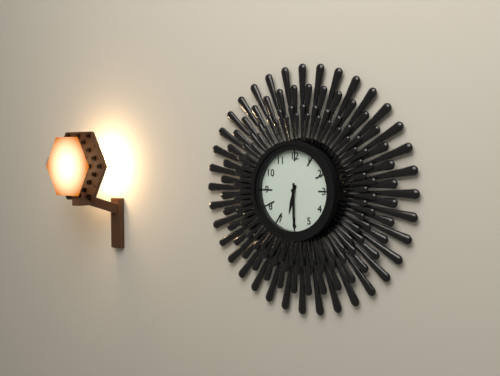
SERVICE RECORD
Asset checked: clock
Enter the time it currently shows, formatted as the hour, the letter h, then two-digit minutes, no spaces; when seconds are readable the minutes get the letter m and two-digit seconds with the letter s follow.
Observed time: 6h30
